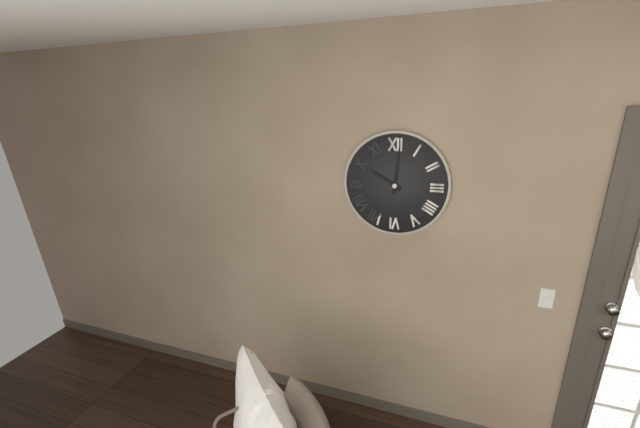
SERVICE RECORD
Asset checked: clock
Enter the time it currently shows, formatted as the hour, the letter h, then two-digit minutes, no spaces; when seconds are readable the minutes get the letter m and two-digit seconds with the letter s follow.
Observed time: 10h01
